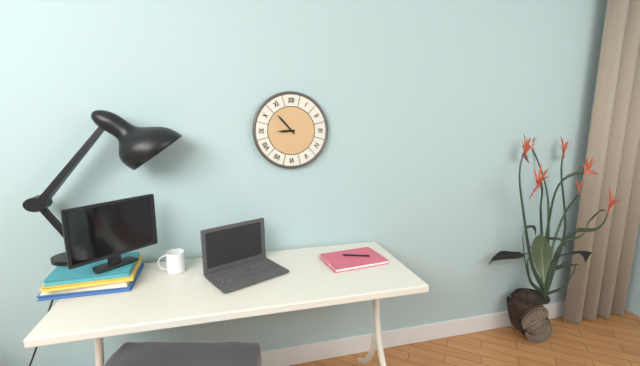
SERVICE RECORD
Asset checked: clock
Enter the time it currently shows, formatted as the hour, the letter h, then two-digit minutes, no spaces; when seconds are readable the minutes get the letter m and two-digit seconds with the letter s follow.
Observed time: 8h53
